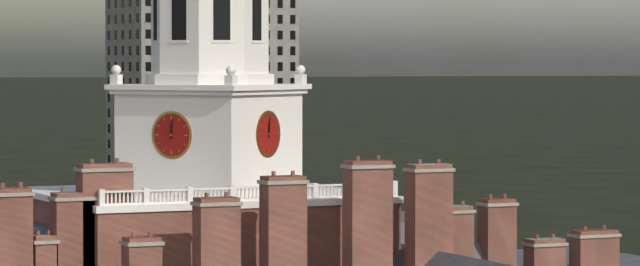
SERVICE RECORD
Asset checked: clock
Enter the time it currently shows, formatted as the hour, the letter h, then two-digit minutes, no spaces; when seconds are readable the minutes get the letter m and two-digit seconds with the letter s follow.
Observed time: 12h01
